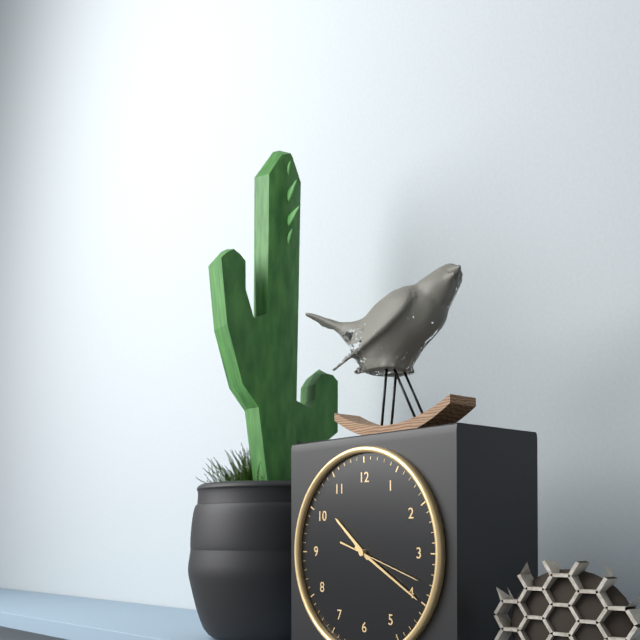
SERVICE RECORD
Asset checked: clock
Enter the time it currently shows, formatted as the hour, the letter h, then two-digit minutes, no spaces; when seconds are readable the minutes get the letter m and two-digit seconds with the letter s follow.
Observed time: 10h20m18s
